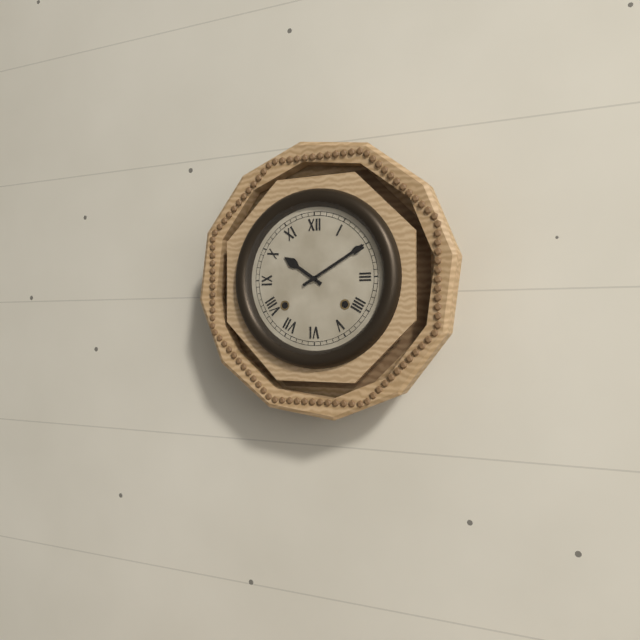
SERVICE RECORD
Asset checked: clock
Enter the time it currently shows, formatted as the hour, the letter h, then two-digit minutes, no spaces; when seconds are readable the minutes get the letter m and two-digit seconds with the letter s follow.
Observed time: 10h10
